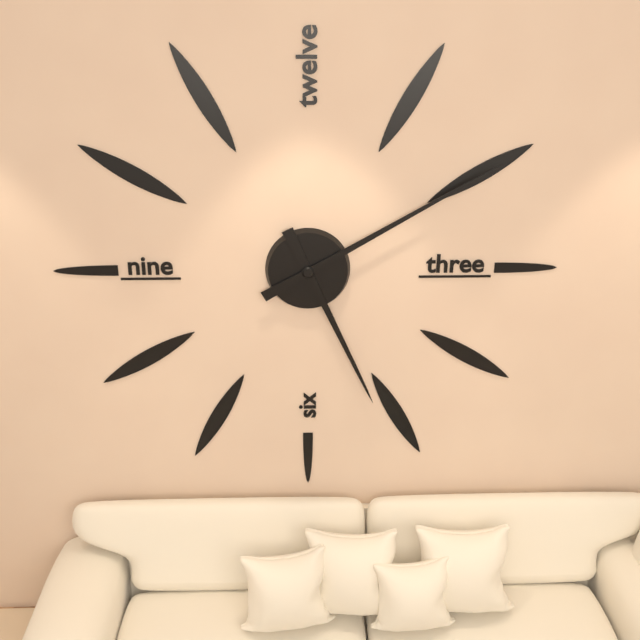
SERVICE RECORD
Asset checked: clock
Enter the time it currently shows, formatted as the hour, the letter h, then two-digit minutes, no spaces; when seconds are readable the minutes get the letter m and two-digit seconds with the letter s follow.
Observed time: 5h10
